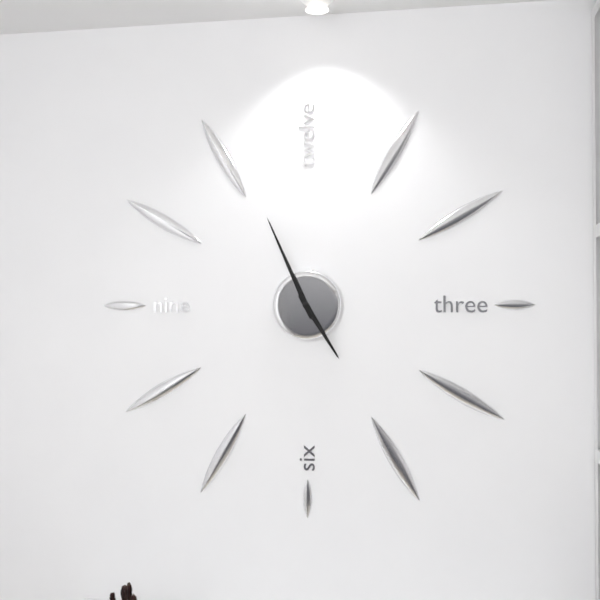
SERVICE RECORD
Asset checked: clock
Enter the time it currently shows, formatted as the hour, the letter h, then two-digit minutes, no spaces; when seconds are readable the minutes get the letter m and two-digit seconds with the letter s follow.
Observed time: 4h56
